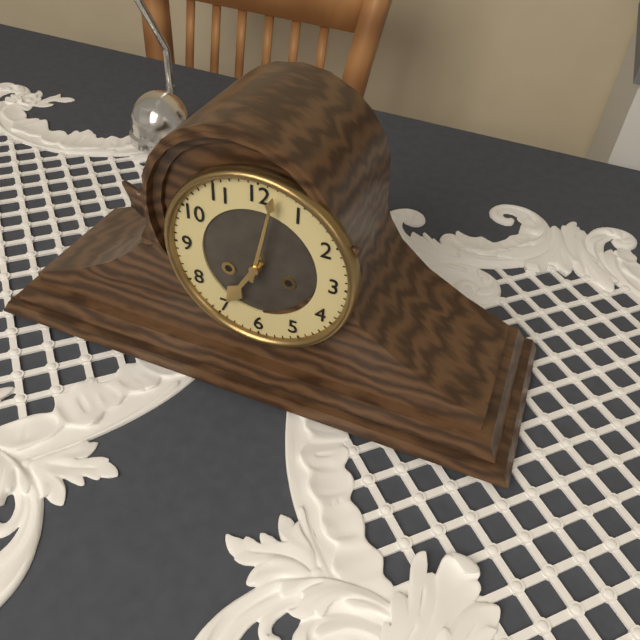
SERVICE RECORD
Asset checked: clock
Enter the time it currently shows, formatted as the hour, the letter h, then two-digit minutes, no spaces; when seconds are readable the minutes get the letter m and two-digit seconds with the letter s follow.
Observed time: 7h02
